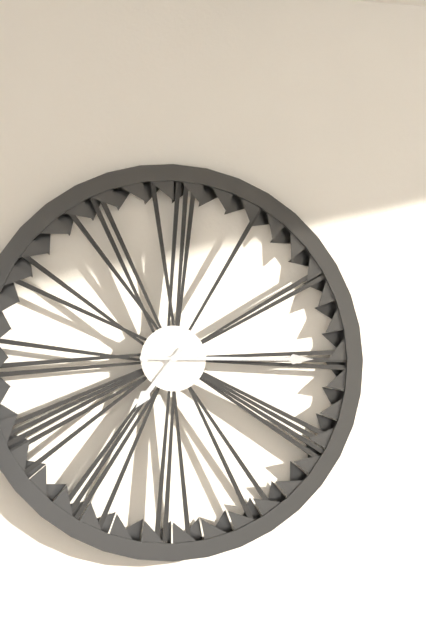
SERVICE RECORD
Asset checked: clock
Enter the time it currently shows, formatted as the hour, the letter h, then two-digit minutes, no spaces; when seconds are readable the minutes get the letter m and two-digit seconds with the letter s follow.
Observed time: 7h15
